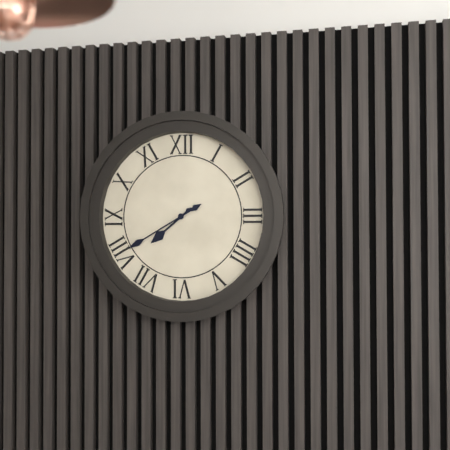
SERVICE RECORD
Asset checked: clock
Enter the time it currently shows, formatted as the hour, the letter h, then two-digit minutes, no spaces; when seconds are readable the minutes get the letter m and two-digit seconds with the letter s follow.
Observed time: 7h40
